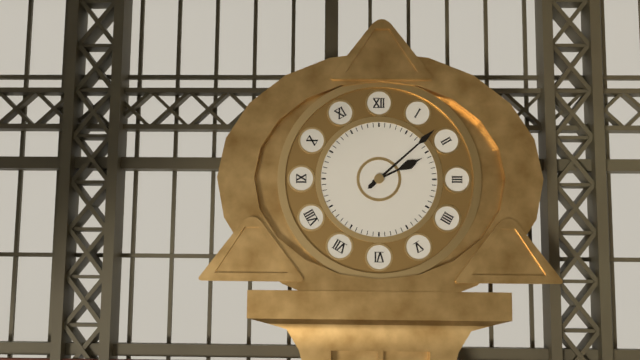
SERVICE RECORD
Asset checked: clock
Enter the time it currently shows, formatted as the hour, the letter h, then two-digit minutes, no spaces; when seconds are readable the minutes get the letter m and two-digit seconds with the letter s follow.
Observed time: 2h08
